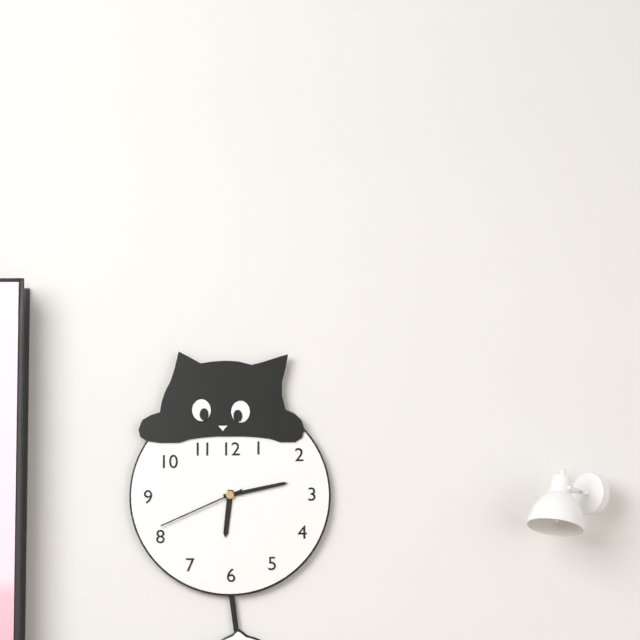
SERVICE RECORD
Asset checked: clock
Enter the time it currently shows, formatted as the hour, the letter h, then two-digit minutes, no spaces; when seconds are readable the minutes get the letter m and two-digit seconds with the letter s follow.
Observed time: 6h13m41s
